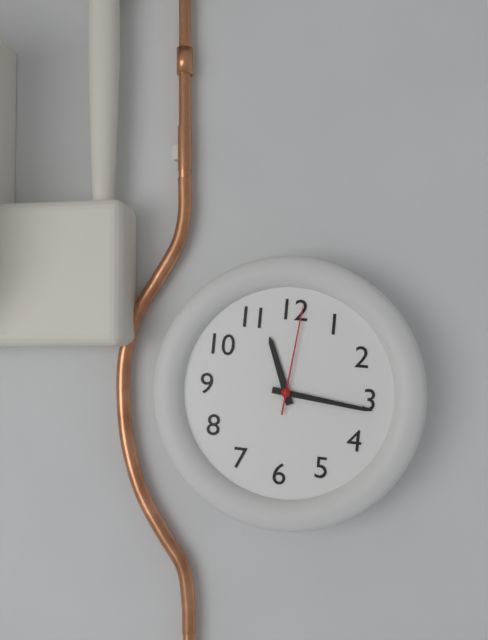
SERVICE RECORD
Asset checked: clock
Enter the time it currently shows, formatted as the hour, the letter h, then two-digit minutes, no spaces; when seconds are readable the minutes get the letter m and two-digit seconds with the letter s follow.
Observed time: 11h16m01s
